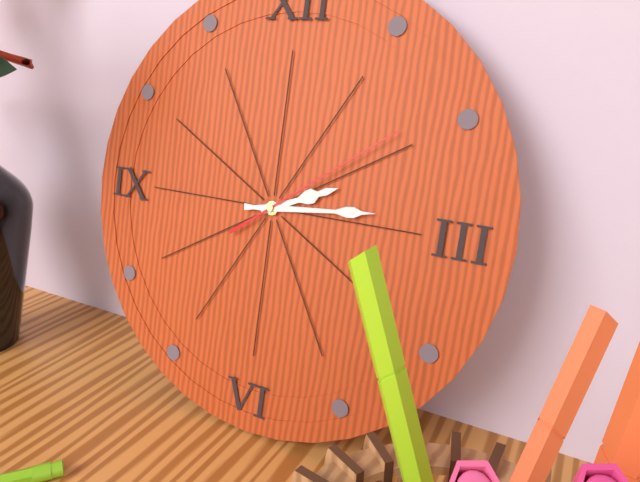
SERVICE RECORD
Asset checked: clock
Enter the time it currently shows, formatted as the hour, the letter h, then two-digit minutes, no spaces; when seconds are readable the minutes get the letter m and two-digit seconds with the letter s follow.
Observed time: 2h14m09s
